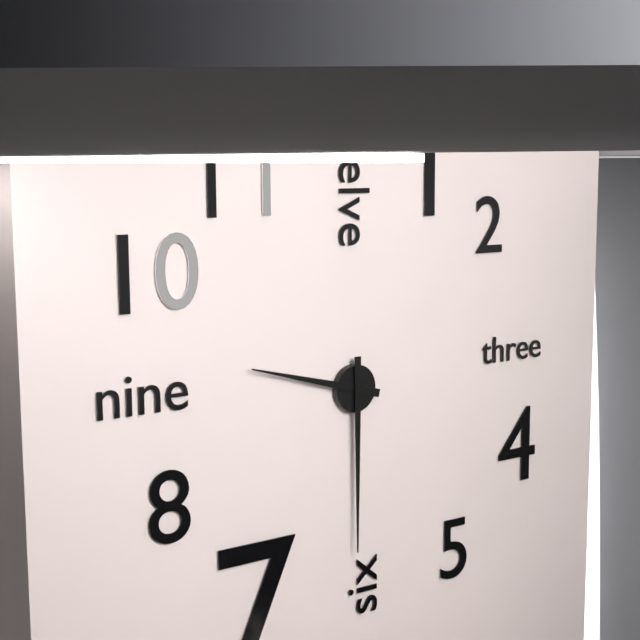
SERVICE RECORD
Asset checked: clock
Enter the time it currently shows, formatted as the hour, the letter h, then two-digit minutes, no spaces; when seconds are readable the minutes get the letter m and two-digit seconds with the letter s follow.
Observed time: 9h30
